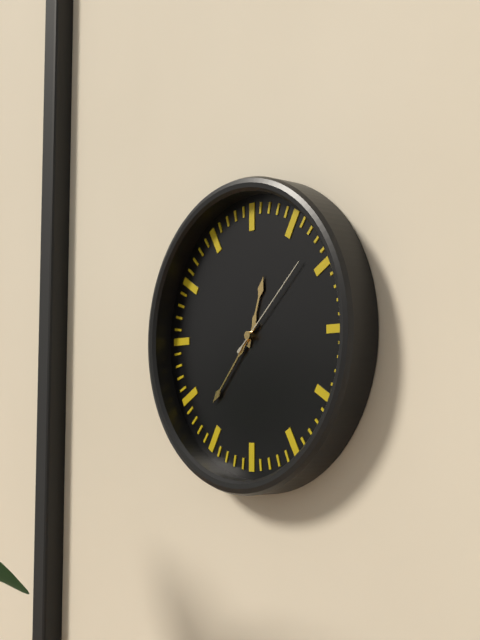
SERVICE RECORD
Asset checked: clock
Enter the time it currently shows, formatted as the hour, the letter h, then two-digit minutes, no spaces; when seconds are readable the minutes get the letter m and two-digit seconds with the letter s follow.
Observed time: 12h37m08s
